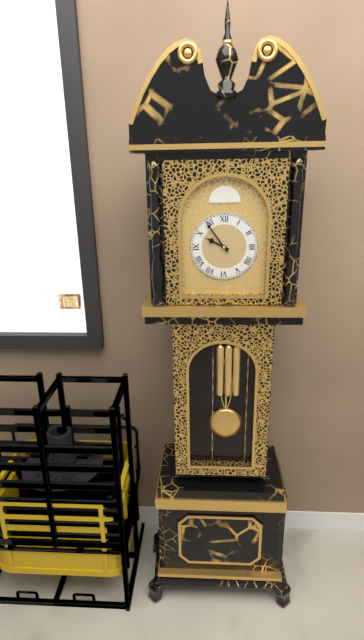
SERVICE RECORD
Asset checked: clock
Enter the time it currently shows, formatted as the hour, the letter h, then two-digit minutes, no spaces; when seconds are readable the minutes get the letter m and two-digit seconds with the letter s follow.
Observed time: 9h54
